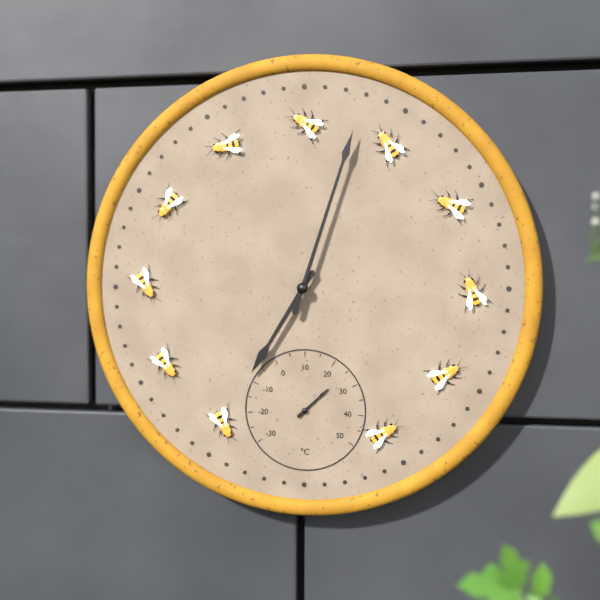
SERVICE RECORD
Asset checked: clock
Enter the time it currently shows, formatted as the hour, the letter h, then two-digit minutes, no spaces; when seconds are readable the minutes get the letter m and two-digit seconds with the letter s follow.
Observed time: 7h03
